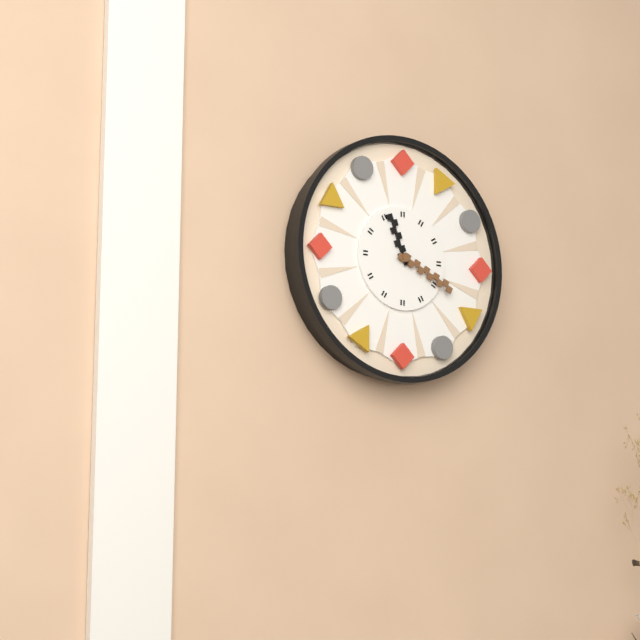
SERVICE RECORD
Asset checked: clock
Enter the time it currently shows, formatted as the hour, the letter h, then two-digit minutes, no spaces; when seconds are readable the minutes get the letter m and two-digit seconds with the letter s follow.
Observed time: 11h19
